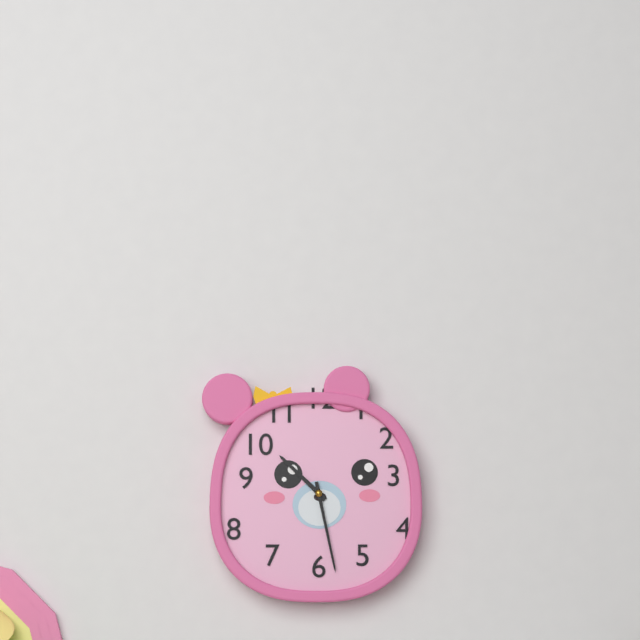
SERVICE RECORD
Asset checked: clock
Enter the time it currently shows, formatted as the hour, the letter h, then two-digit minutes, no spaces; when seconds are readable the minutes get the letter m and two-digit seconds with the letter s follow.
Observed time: 10h28
